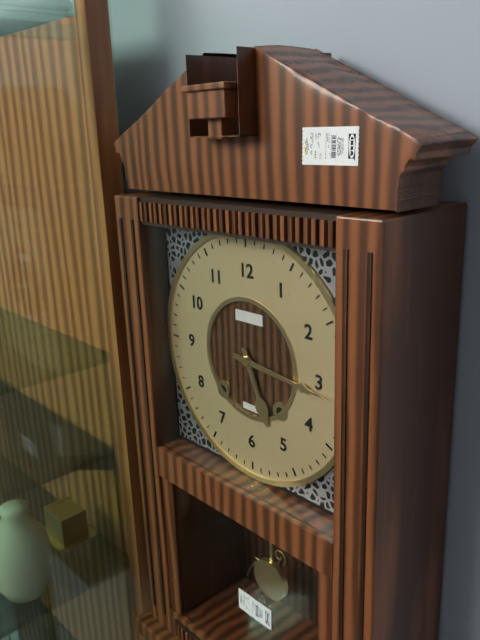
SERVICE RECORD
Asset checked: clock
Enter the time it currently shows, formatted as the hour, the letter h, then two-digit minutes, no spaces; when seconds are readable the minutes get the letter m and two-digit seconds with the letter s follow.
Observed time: 5h16
